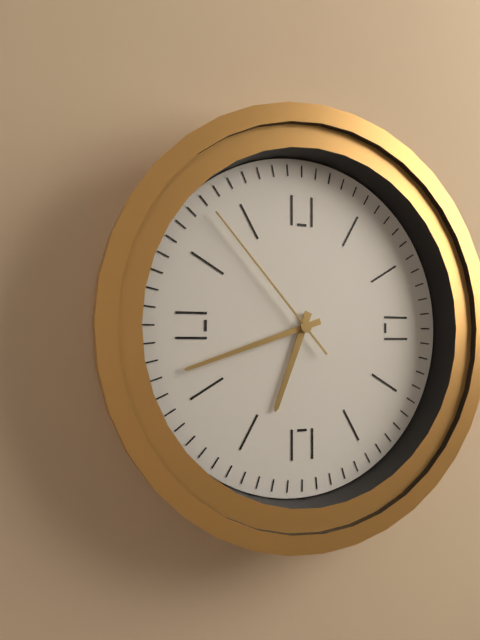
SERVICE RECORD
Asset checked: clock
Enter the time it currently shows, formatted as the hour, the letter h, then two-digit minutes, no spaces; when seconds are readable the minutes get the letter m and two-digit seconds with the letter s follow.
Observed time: 6h42m53s
